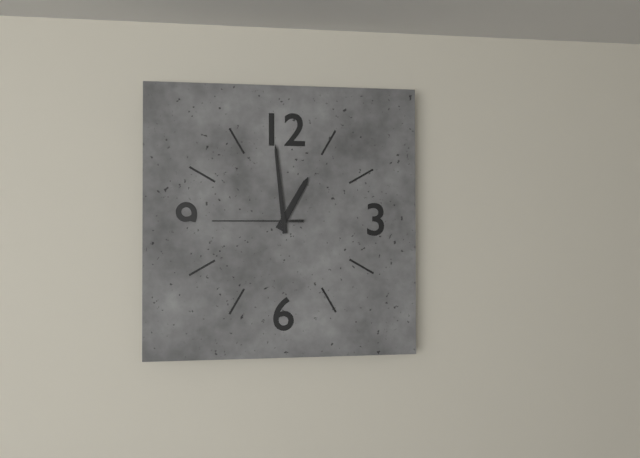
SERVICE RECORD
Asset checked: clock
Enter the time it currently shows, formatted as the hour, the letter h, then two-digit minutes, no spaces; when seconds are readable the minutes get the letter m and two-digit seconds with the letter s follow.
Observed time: 12h59m45s
